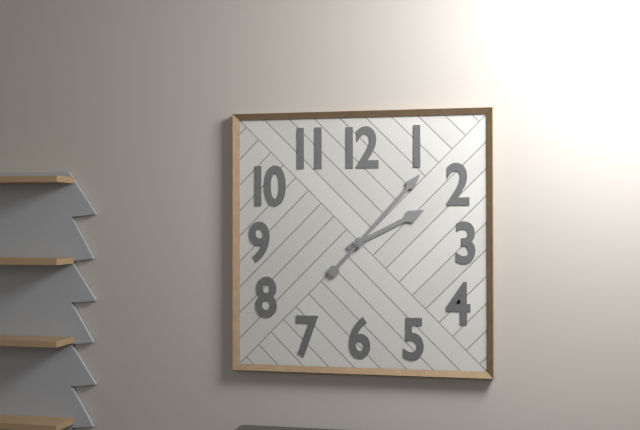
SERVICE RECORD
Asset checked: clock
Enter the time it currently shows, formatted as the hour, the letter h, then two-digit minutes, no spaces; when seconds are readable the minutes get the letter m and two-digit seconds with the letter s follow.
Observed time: 2h07
